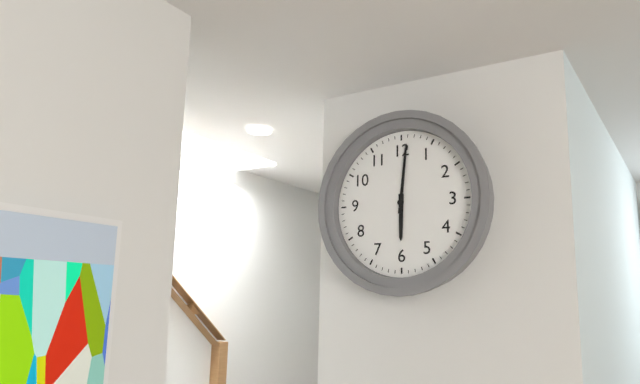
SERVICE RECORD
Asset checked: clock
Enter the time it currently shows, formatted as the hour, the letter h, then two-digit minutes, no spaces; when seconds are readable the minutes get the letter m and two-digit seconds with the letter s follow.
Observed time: 6h01
